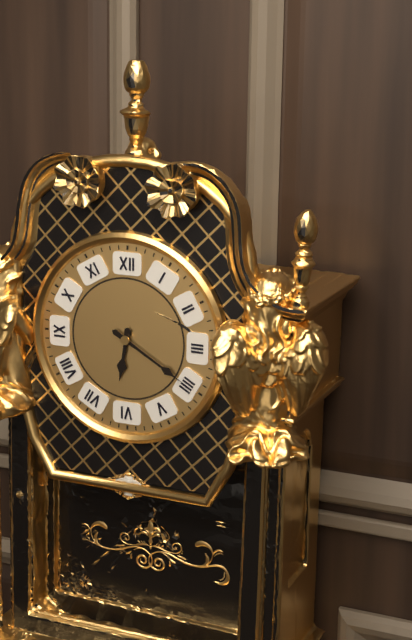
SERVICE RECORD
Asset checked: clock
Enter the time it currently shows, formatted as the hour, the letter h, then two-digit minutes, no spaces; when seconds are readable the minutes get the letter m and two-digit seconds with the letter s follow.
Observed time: 6h20
